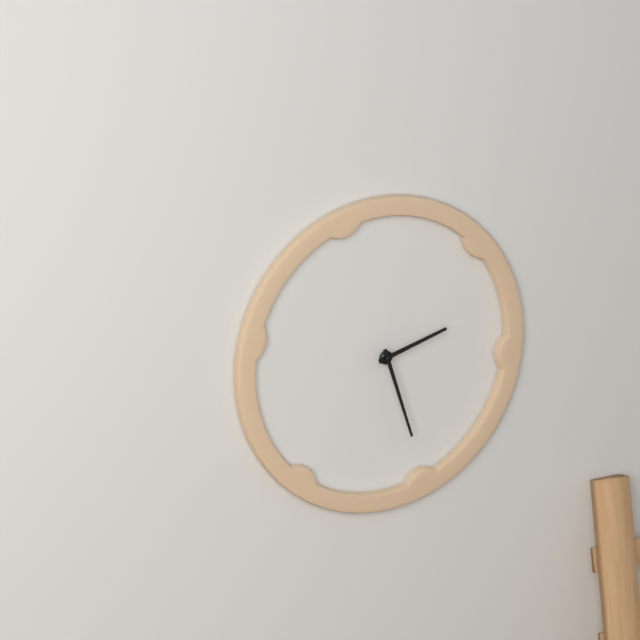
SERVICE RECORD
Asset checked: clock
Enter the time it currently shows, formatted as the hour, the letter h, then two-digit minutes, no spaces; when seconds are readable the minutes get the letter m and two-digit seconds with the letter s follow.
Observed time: 2h27
